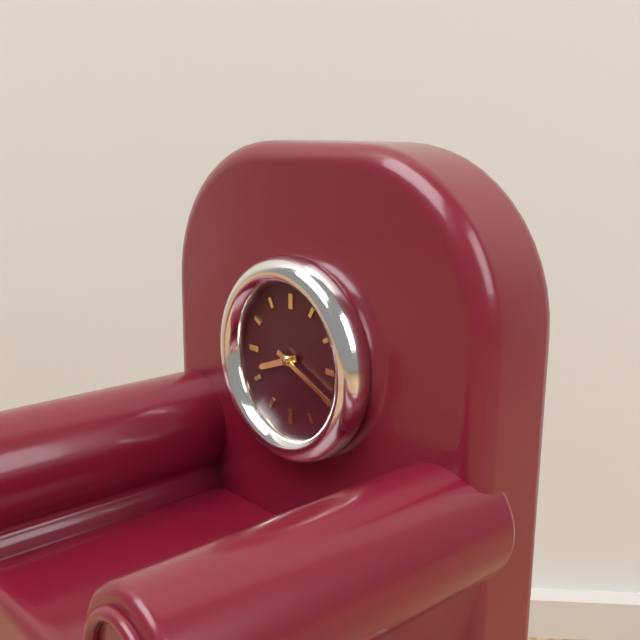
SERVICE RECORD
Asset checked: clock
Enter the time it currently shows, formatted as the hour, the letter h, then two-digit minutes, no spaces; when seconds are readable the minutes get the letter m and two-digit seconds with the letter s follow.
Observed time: 8h19
